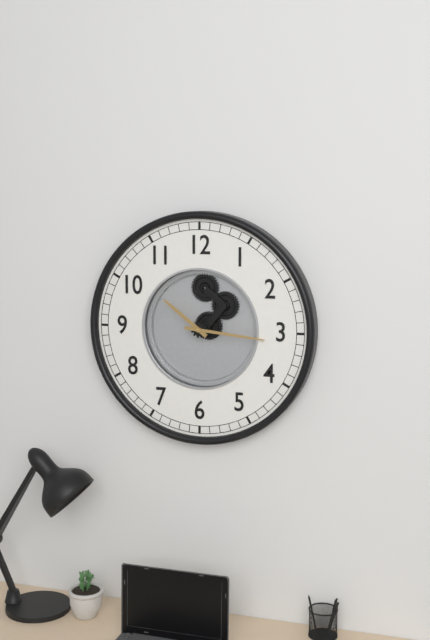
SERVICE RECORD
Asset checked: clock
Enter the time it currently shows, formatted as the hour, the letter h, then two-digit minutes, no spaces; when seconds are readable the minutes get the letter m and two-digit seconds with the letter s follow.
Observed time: 10h16
